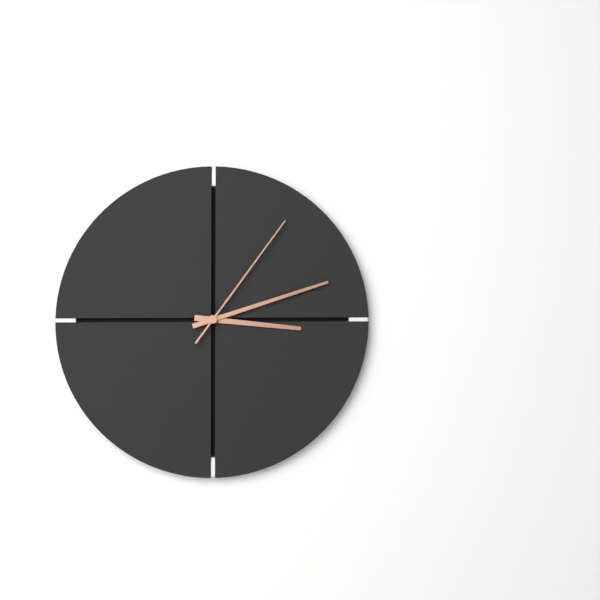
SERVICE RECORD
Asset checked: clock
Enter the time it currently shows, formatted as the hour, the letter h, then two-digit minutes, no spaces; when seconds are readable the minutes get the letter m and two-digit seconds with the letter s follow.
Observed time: 3h12m06s
